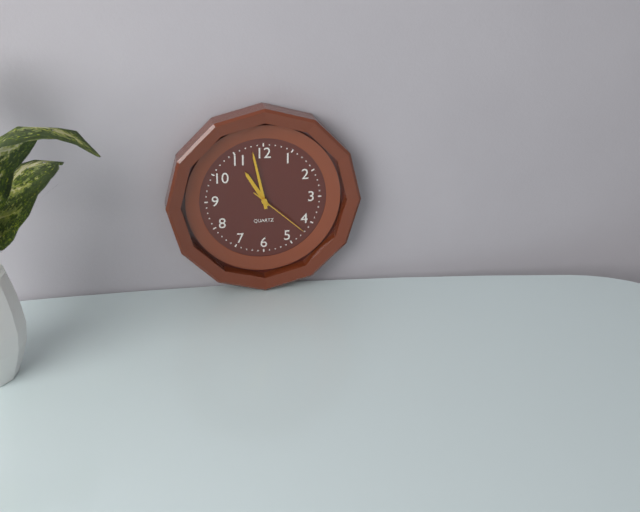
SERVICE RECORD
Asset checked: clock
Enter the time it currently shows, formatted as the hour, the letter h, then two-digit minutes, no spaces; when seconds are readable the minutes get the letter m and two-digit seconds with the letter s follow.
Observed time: 10h58m22s
